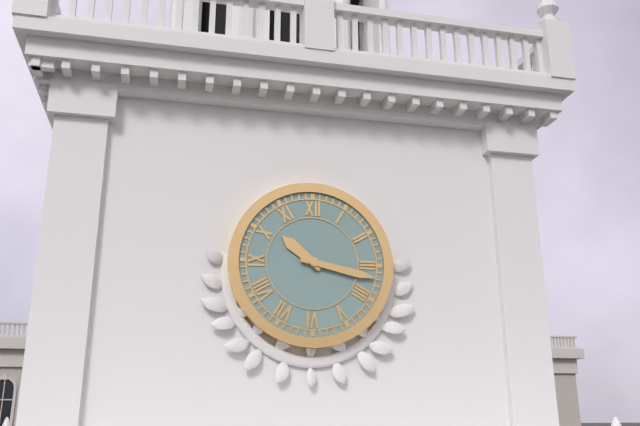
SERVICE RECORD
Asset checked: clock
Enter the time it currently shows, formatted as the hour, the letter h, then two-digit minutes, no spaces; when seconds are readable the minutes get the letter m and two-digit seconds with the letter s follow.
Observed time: 10h17
